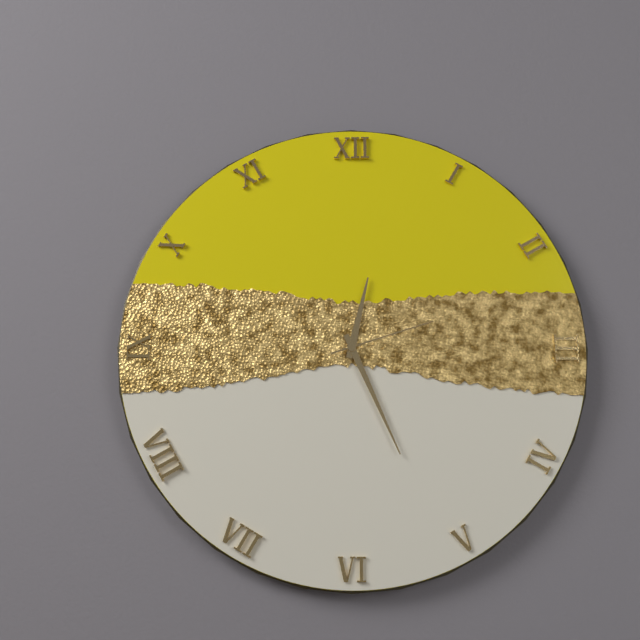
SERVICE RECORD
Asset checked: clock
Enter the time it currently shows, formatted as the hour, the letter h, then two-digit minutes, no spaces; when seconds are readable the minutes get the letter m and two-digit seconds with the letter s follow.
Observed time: 12h26m12s
